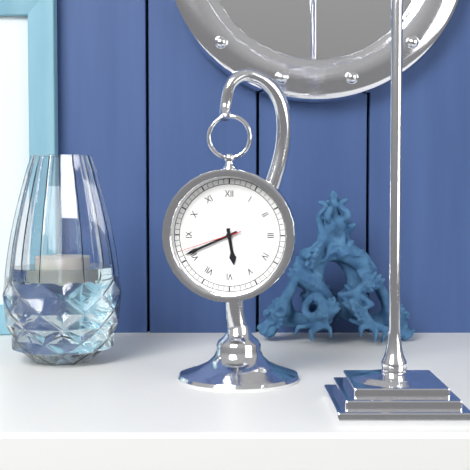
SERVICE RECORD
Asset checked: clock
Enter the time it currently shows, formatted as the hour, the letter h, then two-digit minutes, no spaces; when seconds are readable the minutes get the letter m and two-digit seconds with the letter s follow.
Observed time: 5h41m42s
